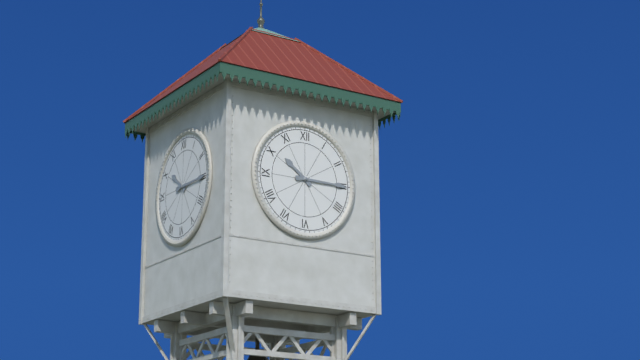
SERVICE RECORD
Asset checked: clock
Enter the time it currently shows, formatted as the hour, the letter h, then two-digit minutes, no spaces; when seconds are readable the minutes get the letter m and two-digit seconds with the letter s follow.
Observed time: 10h15
